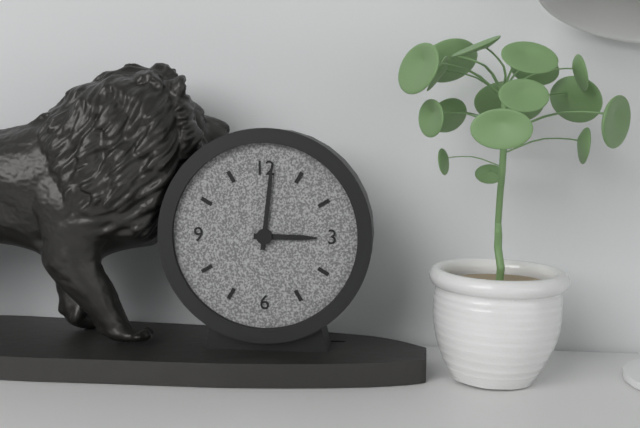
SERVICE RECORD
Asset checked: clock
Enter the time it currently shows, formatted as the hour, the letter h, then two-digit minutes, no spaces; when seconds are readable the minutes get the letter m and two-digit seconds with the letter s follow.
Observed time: 3h01
